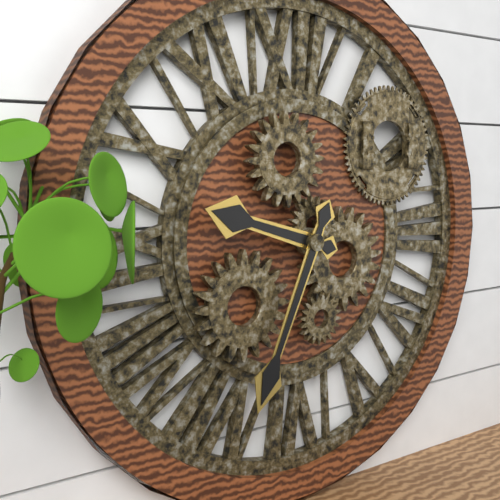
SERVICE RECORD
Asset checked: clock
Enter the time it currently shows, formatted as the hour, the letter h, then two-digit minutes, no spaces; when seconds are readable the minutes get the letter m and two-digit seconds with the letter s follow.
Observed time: 9h34
